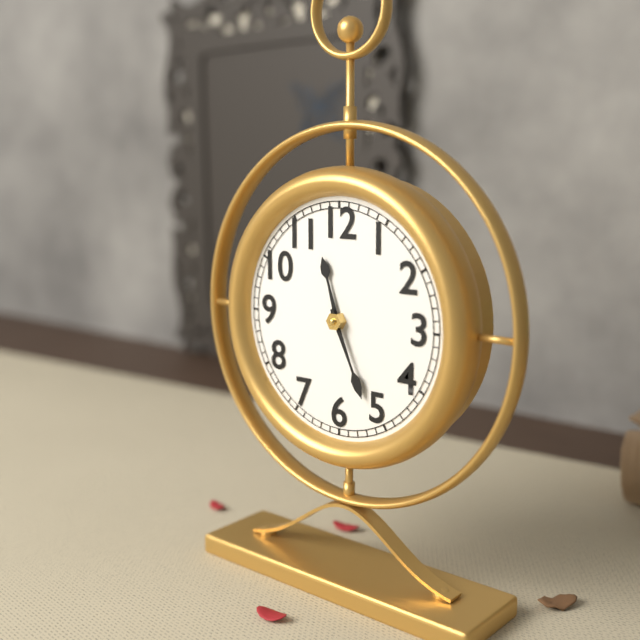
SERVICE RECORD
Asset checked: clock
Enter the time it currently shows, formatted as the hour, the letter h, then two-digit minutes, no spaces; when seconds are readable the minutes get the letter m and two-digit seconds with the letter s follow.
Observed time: 11h26
